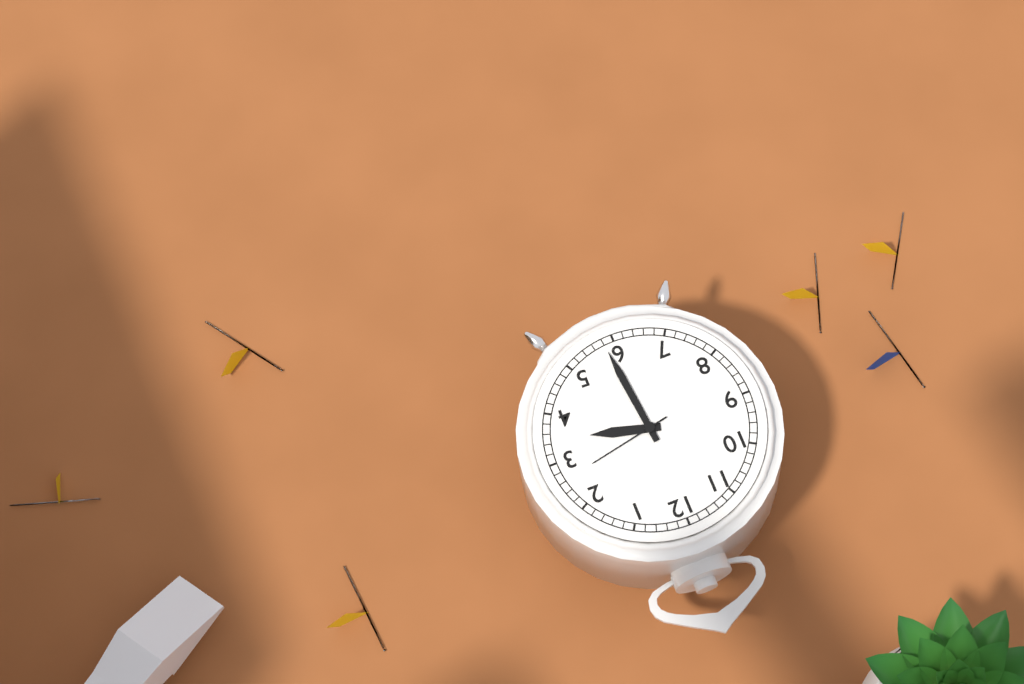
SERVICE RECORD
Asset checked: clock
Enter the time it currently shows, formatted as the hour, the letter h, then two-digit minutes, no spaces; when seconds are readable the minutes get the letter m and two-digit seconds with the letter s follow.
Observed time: 3h29m13s
